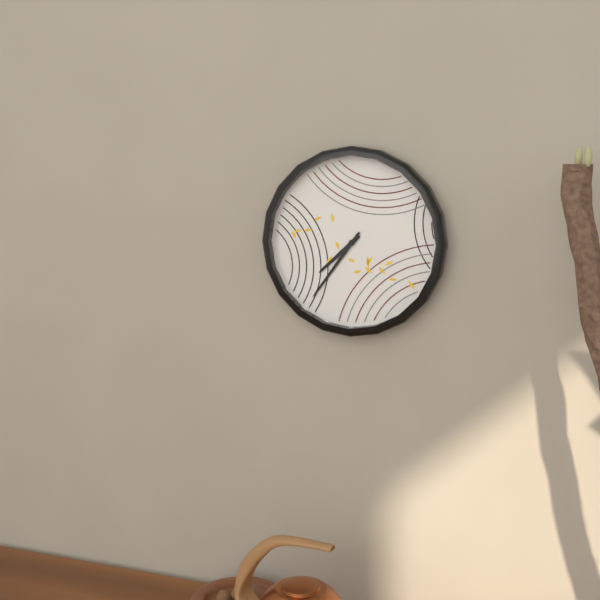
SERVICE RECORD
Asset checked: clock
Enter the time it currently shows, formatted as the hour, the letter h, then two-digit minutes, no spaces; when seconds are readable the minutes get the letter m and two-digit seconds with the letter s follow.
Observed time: 7h36
